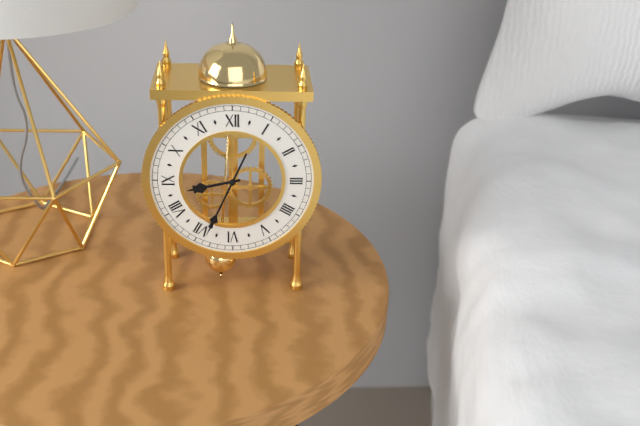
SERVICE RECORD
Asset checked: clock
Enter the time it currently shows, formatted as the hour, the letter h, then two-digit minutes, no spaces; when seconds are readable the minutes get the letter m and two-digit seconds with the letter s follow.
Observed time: 8h34
